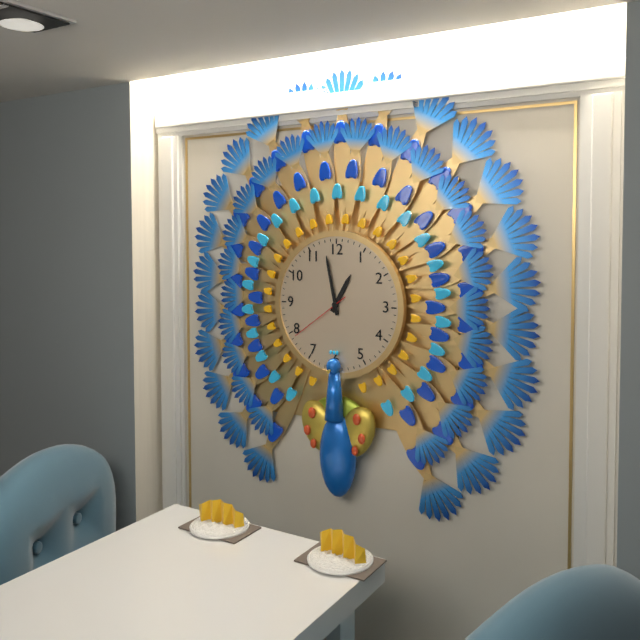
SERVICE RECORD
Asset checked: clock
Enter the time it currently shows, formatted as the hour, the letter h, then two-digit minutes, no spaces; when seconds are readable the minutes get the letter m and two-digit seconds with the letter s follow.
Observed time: 12h58m39s
